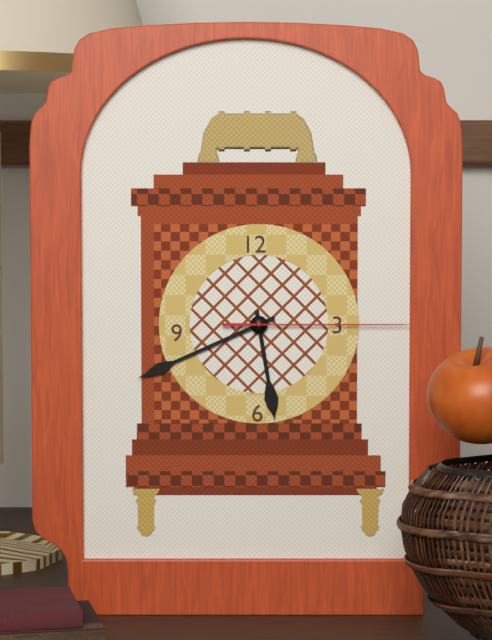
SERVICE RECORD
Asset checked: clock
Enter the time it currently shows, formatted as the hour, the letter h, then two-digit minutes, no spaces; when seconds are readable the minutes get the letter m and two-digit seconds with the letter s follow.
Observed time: 5h41m15s
